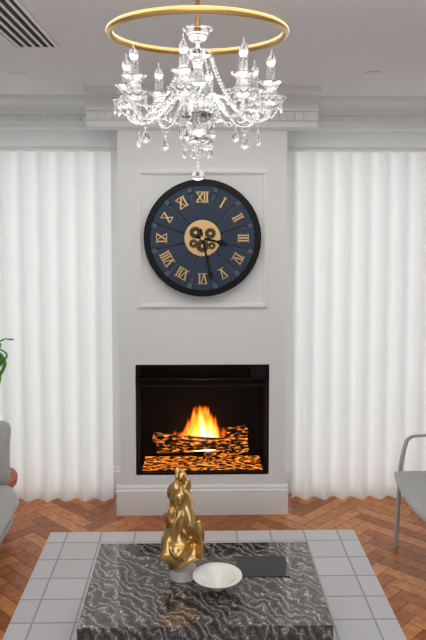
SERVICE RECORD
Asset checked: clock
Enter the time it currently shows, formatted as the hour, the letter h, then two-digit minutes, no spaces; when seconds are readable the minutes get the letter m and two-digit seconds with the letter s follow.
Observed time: 3h28
